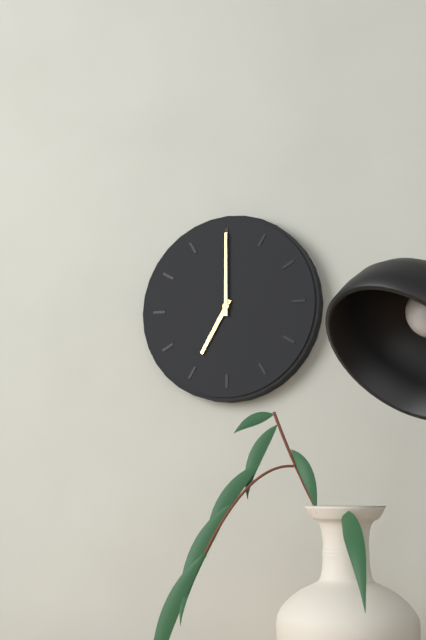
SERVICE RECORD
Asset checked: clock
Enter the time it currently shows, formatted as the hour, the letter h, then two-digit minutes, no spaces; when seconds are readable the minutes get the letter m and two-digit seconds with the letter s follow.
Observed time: 7h00
